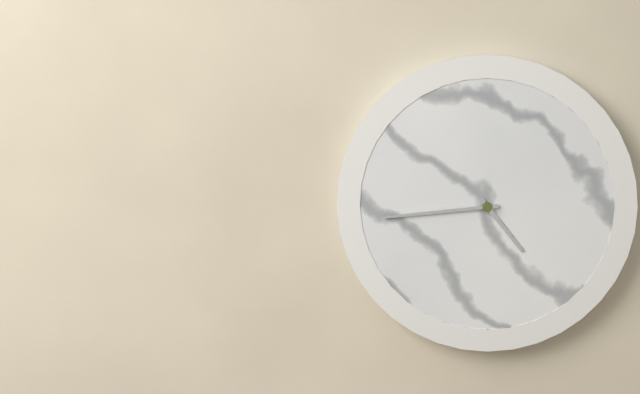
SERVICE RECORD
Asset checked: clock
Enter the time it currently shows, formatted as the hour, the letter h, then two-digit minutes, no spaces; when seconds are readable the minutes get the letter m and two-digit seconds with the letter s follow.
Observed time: 4h44
